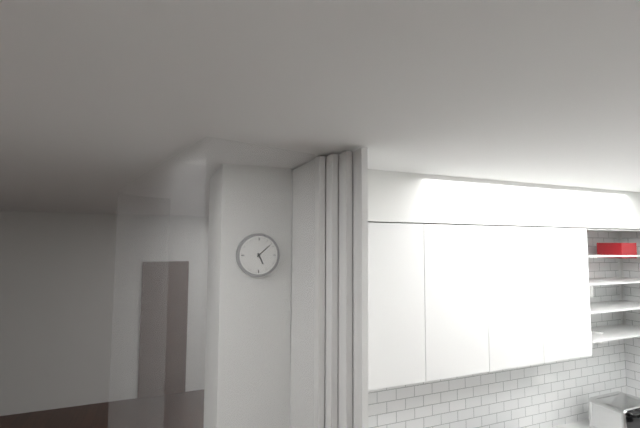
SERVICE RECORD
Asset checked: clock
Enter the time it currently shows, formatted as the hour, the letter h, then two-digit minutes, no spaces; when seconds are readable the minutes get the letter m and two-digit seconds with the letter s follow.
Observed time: 5h08
